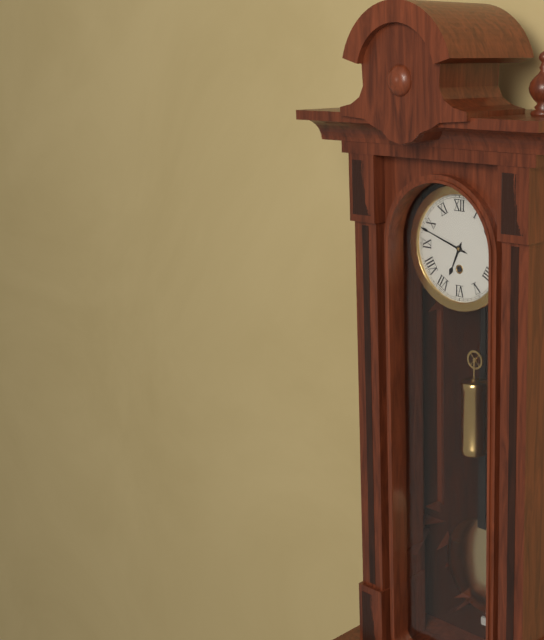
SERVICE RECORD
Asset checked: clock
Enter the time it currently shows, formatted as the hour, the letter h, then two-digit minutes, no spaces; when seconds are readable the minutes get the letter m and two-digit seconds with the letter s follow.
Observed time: 6h48
